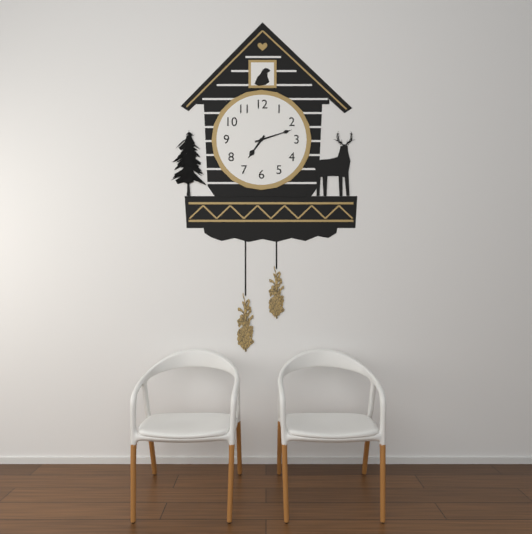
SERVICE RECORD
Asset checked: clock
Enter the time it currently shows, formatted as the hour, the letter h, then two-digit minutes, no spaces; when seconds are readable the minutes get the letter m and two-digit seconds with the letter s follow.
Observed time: 7h12
